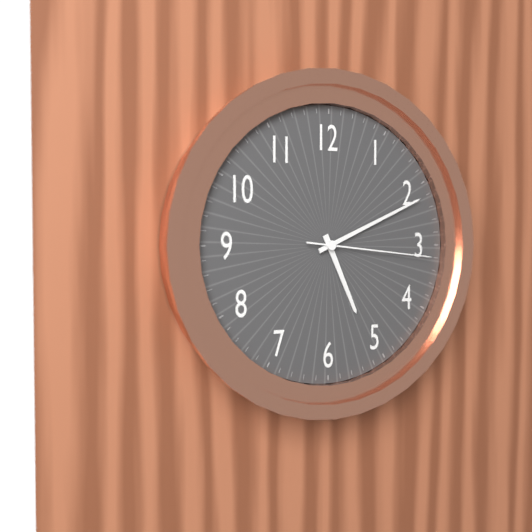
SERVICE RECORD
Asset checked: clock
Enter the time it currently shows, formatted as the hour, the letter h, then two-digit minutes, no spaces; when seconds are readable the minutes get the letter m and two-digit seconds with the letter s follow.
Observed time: 5h11m16s
